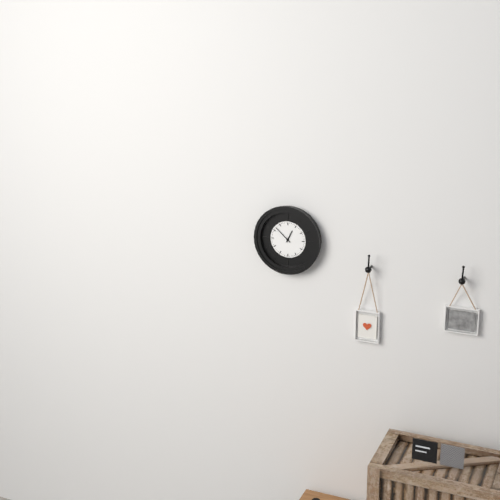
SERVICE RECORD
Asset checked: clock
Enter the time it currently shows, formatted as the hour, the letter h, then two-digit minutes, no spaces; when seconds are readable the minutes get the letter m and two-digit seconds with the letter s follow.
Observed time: 12h52
